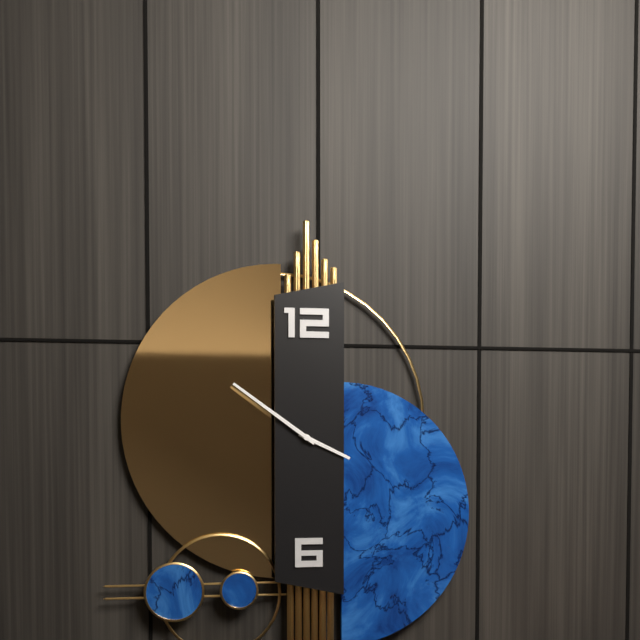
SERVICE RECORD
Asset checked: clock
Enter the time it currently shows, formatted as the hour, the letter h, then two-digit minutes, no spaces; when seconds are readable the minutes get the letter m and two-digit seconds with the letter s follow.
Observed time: 3h51
